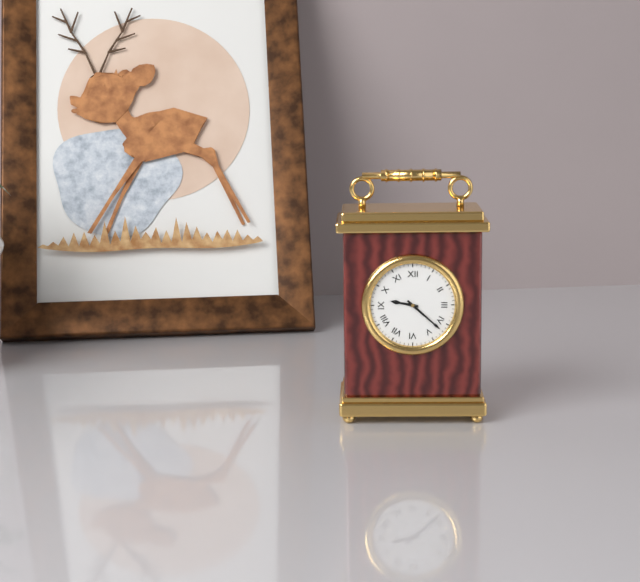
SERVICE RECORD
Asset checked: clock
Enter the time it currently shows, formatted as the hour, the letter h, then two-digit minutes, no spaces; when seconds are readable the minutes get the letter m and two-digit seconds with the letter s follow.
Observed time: 9h22
